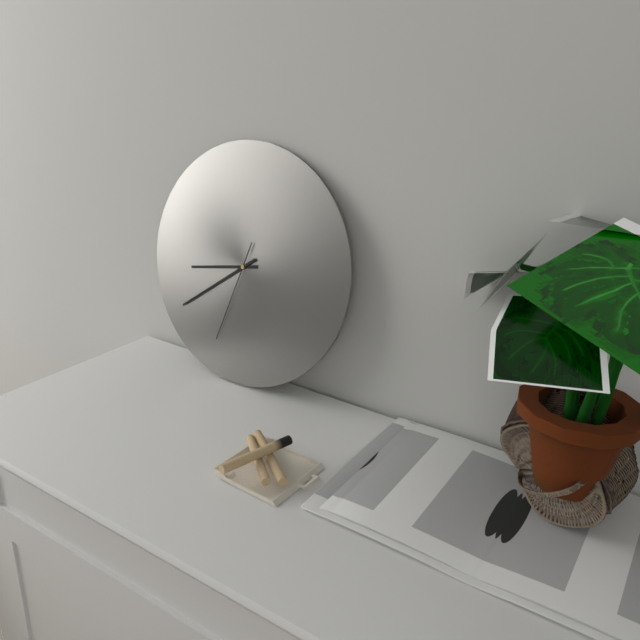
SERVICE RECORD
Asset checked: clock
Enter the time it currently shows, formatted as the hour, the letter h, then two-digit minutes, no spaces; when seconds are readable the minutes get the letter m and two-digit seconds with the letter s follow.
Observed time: 8h39m33s
